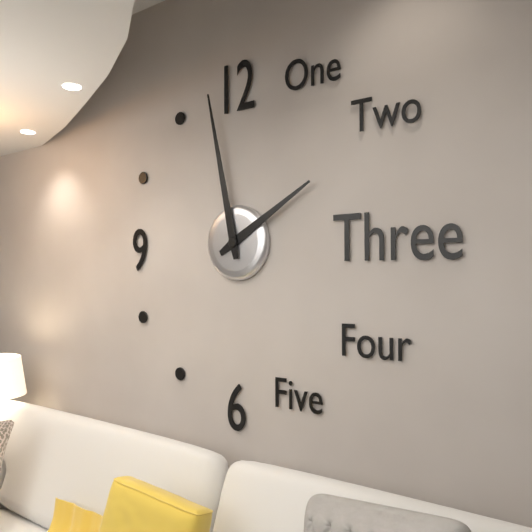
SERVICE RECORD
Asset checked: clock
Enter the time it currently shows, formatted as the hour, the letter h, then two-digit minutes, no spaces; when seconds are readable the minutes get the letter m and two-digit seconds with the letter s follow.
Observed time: 1h58
